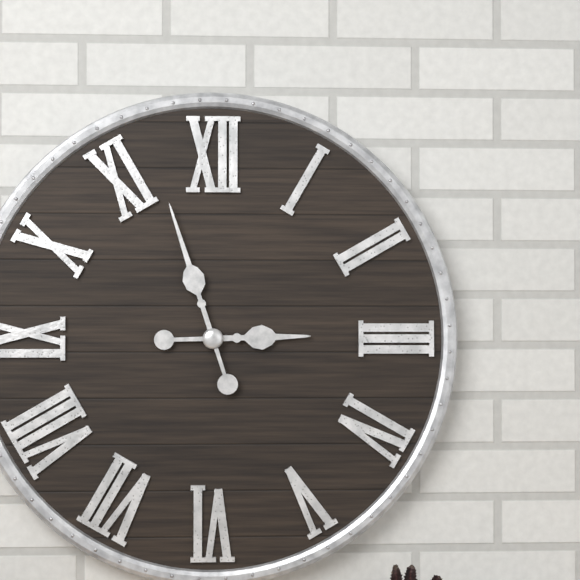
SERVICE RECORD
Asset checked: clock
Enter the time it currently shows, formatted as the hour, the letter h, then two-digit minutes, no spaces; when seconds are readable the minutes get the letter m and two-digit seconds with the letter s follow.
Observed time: 2h57
